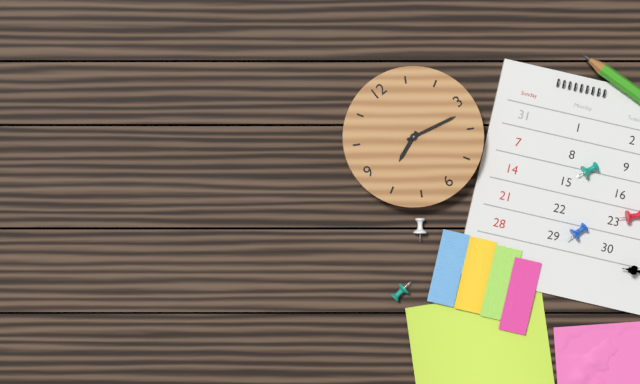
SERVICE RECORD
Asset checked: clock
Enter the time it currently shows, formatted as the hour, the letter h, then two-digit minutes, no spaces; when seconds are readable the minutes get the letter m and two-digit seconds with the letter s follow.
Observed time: 8h17
